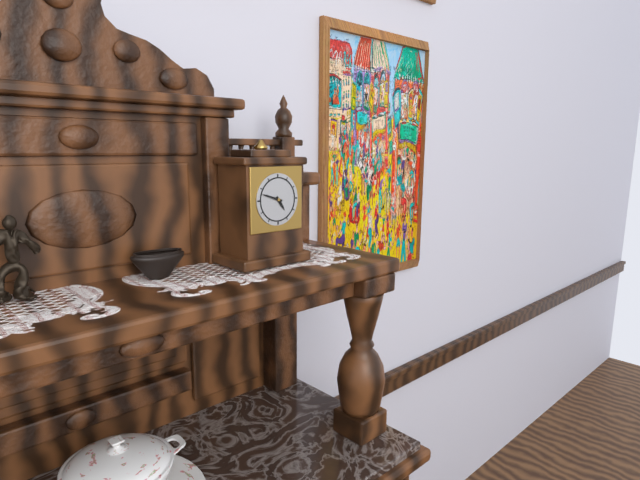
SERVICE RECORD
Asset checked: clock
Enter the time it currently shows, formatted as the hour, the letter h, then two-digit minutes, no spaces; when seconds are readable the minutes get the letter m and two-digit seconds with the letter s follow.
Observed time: 4h48
